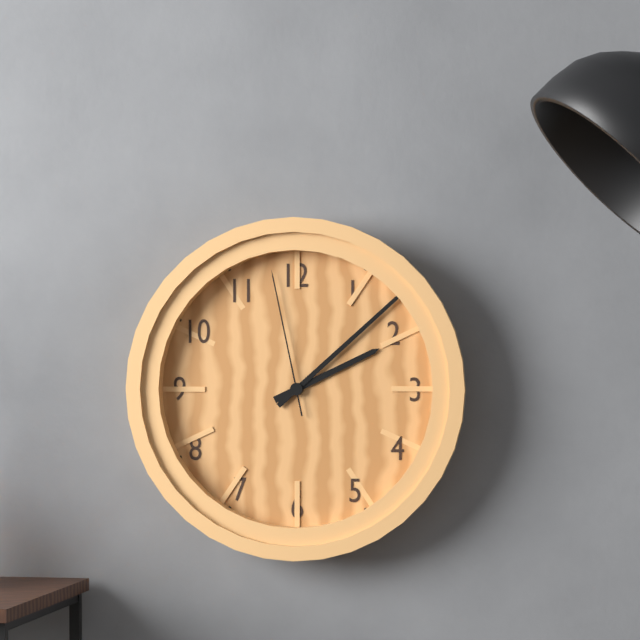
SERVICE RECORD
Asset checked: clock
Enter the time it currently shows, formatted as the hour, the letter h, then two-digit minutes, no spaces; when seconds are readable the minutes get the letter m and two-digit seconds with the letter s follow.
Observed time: 2h08m58s
